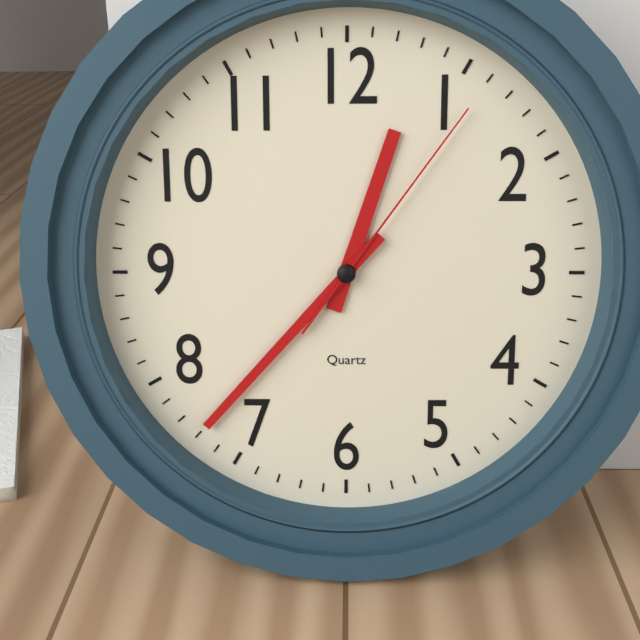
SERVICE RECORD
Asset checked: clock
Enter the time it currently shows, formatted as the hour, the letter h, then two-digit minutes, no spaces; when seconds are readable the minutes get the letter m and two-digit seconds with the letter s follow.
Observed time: 12h37m06s
